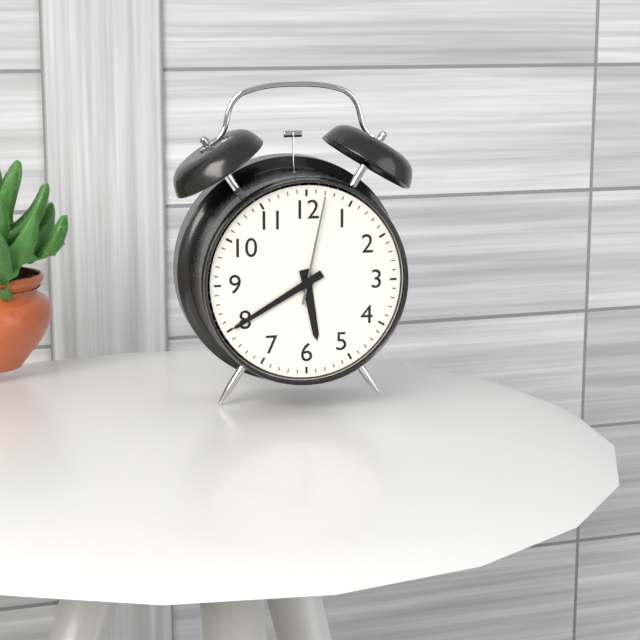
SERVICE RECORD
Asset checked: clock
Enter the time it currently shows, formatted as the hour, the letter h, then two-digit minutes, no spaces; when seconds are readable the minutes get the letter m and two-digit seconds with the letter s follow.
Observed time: 5h40m02s
